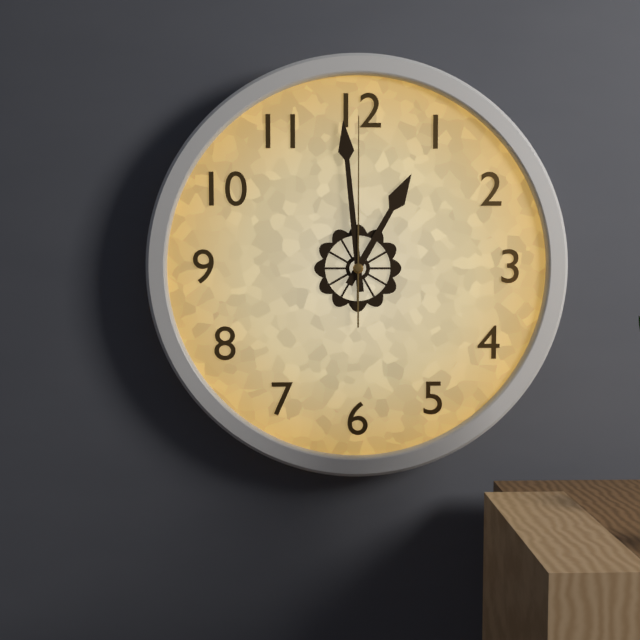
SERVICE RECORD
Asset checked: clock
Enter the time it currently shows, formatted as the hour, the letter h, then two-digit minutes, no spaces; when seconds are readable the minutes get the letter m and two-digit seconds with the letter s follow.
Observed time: 12h59m00s
